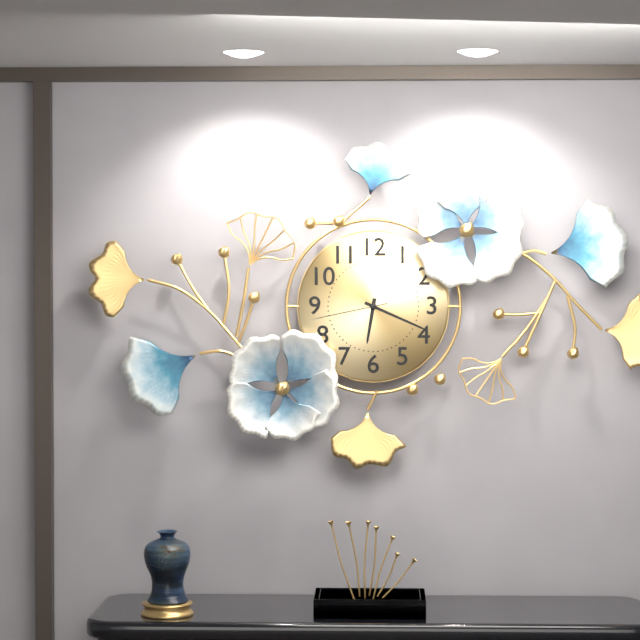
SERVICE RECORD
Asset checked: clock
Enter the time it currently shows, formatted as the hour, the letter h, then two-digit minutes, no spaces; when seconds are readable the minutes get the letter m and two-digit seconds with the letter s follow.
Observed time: 6h19m43s
